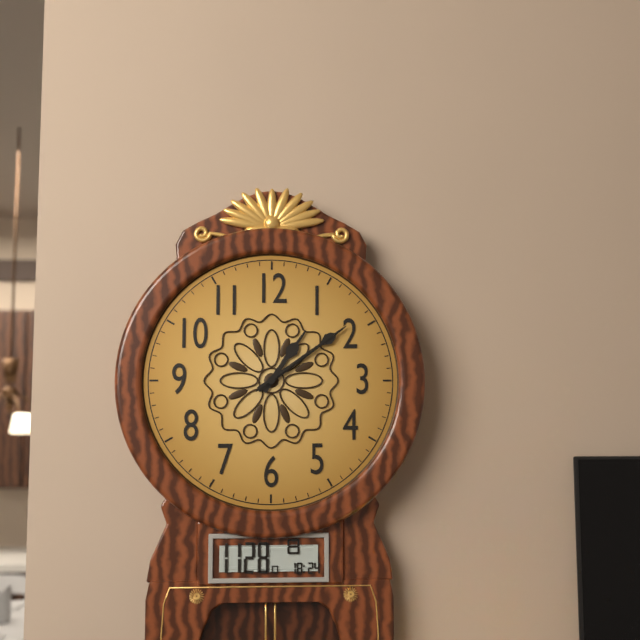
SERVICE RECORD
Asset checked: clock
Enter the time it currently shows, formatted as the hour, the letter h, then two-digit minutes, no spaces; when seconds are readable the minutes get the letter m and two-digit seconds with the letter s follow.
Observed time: 1h09m09s
